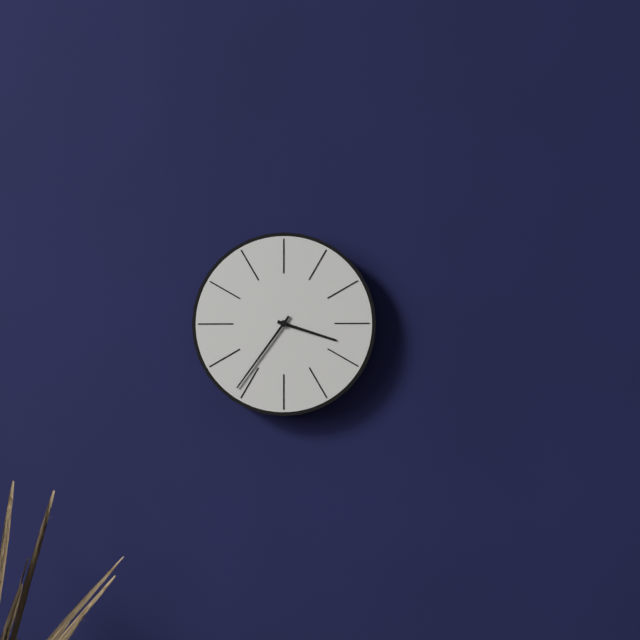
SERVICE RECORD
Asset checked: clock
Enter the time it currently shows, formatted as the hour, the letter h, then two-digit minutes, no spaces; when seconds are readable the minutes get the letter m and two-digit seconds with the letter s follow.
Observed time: 3h36
